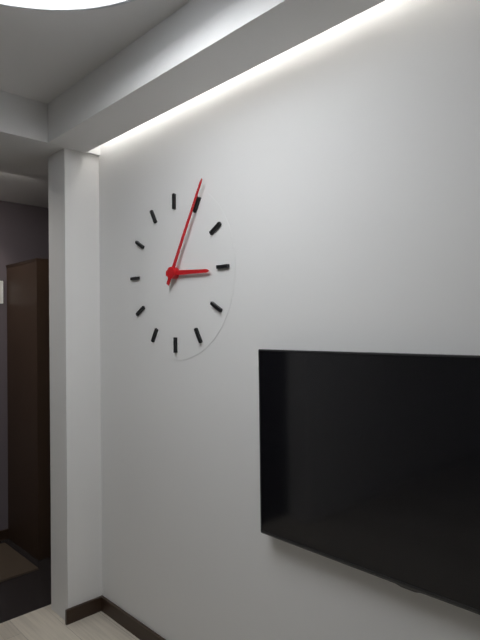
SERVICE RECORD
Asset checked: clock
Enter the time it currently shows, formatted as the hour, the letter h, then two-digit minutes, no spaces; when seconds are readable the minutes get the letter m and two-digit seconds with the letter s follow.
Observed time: 3h05
